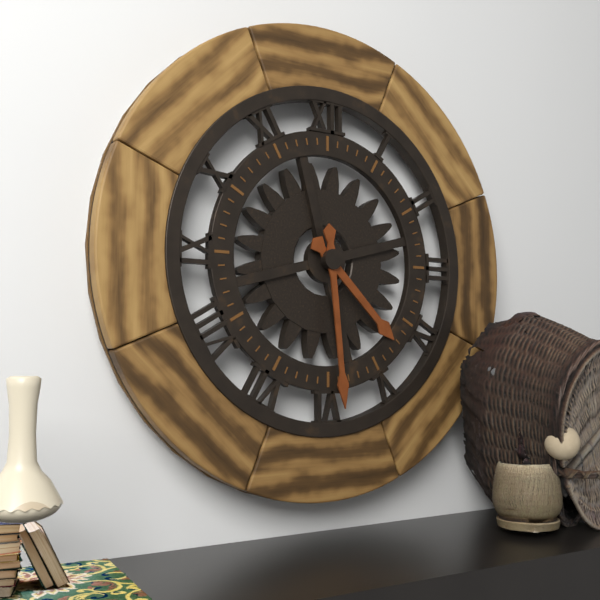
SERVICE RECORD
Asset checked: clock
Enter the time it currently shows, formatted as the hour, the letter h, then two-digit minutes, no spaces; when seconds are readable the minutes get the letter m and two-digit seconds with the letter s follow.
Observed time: 4h29
